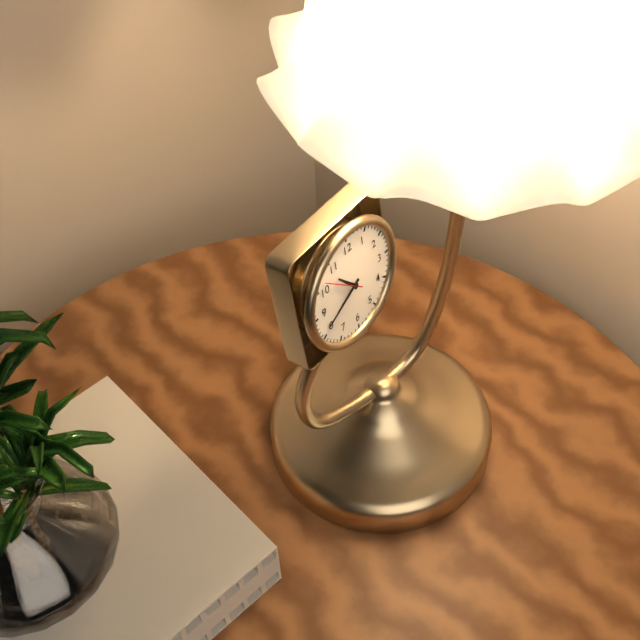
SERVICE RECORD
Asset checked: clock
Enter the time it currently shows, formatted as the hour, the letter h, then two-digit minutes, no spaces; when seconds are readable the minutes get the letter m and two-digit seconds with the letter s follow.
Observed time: 10h41
